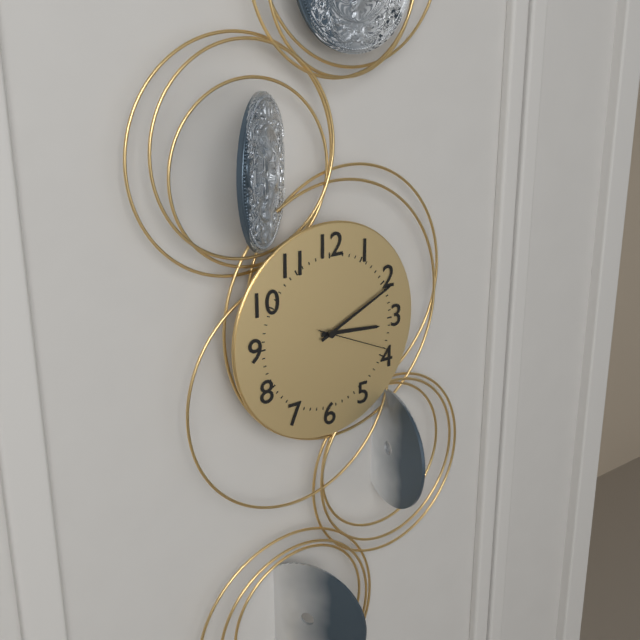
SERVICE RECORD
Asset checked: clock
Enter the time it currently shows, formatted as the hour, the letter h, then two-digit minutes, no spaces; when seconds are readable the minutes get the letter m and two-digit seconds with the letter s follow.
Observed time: 3h11m19s
